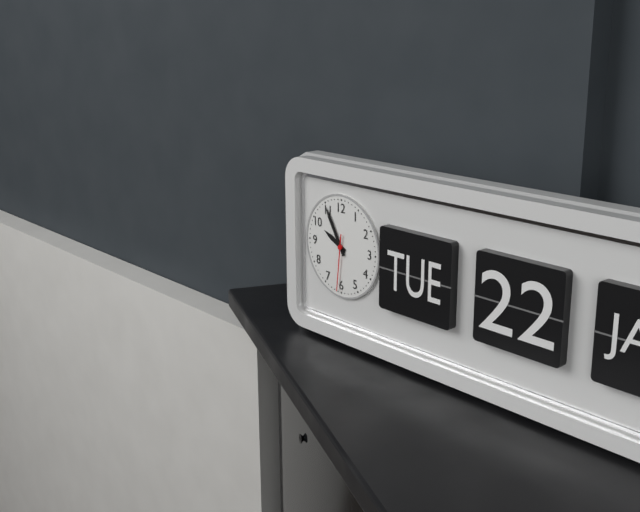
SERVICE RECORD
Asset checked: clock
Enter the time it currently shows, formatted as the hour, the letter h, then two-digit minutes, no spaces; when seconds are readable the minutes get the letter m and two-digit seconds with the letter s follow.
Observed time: 9h55m31s
